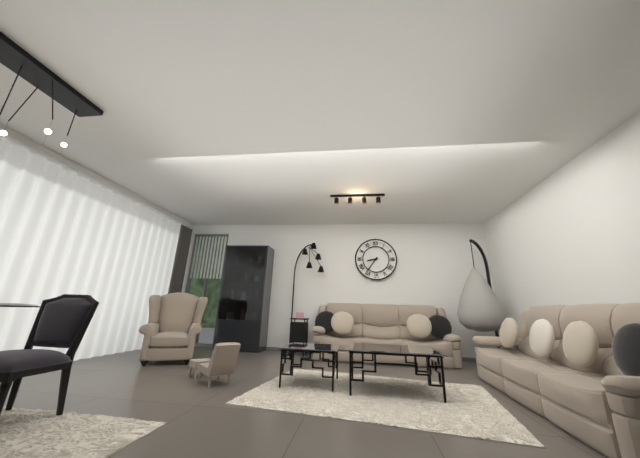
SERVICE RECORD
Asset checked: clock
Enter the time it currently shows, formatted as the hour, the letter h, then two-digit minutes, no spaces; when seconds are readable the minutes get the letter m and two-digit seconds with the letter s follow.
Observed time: 8h36
